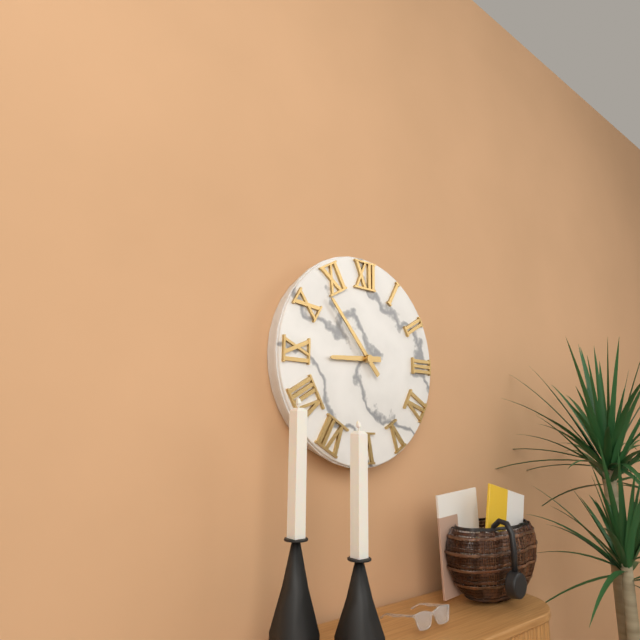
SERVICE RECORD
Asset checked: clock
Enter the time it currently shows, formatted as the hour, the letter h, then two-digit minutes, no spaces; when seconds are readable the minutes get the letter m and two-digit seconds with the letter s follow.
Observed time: 8h53
